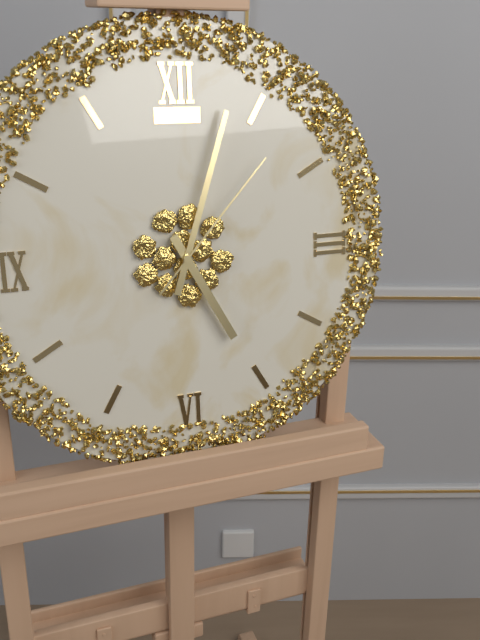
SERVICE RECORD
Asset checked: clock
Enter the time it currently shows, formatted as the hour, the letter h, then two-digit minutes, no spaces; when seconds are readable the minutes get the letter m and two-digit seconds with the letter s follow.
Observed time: 5h03m07s
